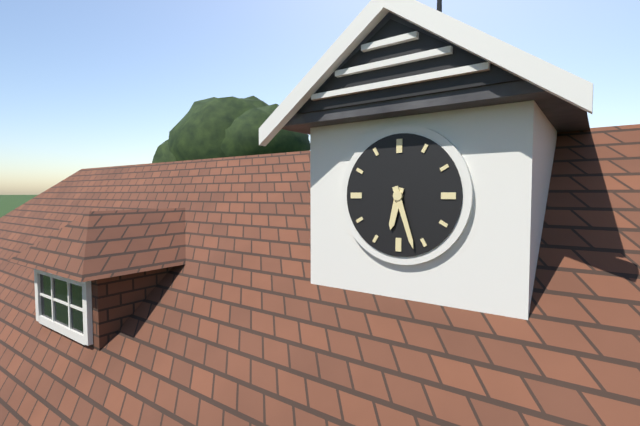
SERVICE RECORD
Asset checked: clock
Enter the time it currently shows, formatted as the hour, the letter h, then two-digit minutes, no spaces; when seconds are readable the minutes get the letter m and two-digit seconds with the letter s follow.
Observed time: 6h27
